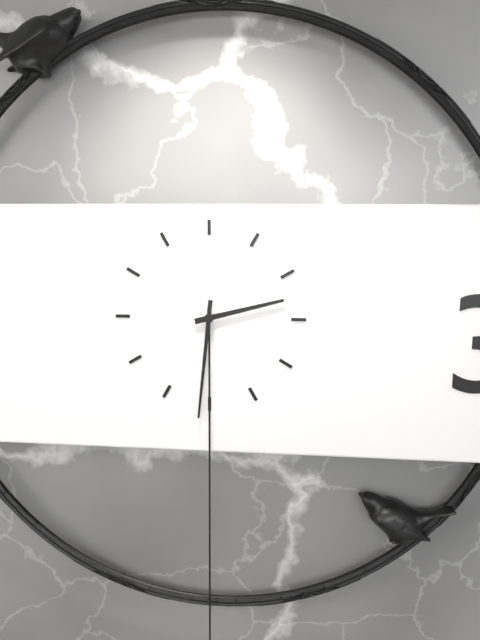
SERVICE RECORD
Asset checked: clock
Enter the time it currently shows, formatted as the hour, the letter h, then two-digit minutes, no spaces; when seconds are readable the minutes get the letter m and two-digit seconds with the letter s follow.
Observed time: 2h31
